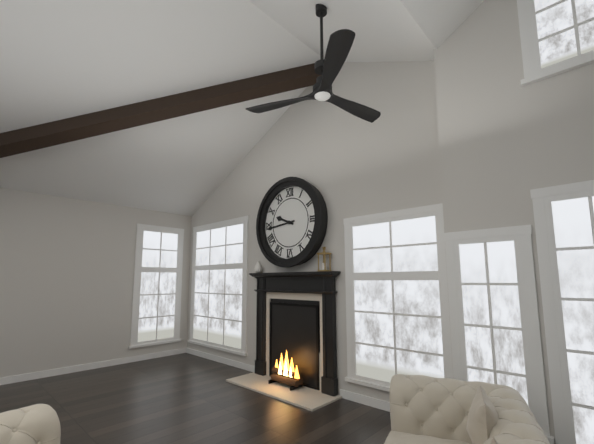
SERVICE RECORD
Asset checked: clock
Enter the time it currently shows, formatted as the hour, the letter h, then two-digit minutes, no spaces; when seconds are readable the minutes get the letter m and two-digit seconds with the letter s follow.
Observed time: 9h44
